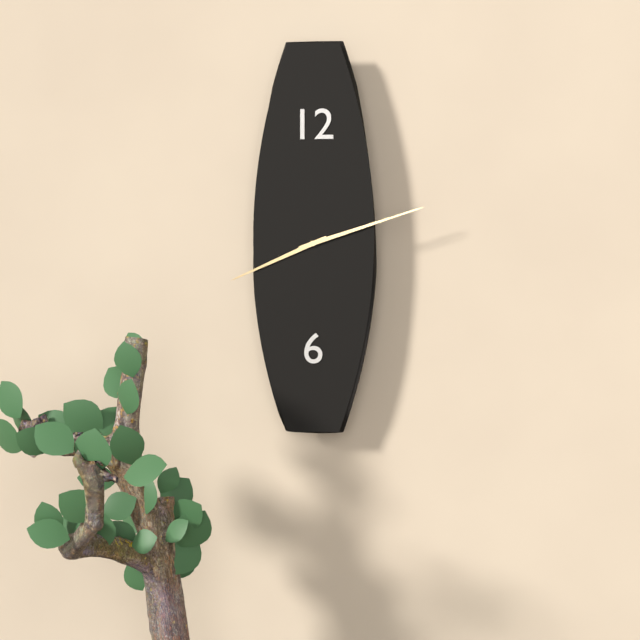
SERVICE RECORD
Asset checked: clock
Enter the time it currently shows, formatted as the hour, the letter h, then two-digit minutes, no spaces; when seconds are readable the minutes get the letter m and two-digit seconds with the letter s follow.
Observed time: 8h12
